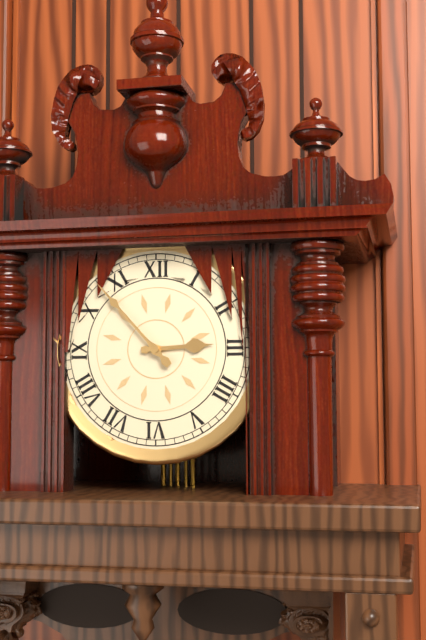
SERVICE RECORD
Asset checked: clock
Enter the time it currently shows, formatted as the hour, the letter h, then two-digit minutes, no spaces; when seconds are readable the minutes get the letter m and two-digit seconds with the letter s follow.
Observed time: 2h53
